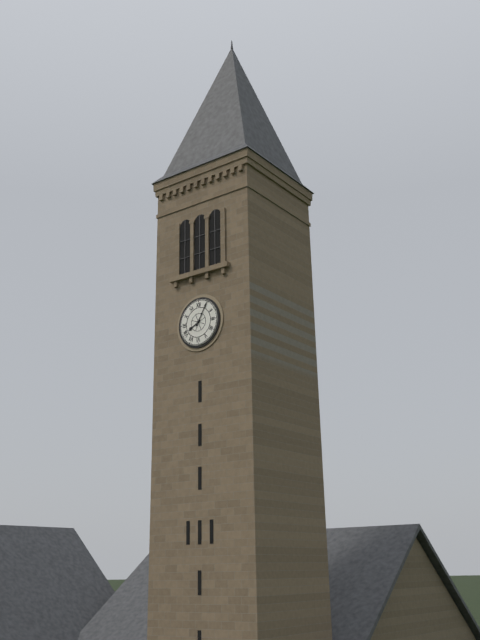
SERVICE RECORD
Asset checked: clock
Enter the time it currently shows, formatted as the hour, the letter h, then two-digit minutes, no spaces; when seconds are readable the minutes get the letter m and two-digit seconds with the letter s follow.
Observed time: 8h05
